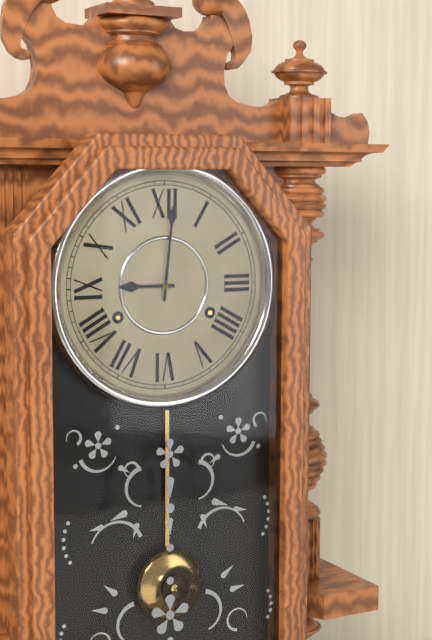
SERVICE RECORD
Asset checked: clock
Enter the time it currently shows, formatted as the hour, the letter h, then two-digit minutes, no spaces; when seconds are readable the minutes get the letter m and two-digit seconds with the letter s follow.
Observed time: 9h01
